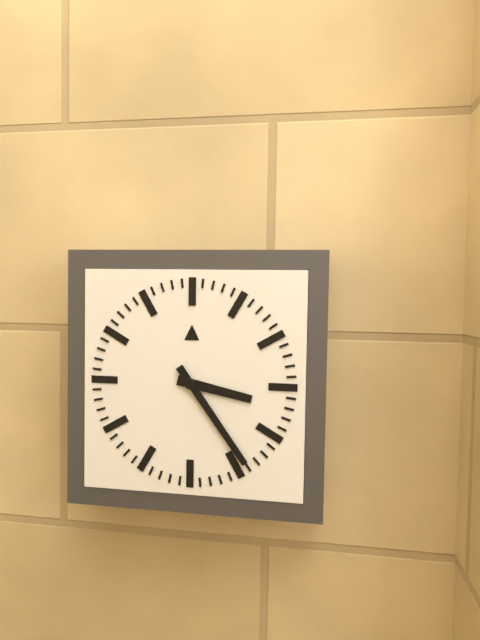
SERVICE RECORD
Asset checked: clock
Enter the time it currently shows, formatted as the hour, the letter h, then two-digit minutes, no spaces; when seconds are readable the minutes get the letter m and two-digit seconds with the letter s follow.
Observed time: 3h24
